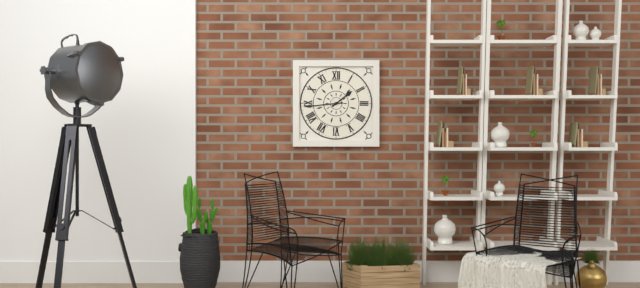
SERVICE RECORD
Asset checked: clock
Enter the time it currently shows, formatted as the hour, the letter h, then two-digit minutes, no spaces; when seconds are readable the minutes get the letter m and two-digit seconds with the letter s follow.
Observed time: 1h44
